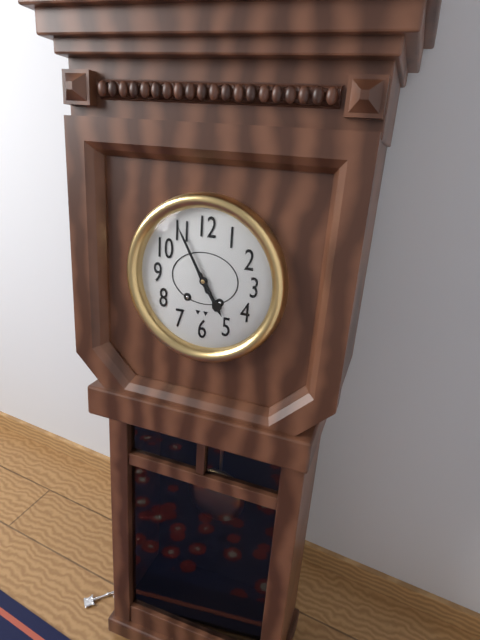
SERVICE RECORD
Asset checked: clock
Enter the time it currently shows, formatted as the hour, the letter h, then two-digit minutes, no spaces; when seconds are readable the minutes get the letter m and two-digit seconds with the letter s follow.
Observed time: 4h55
